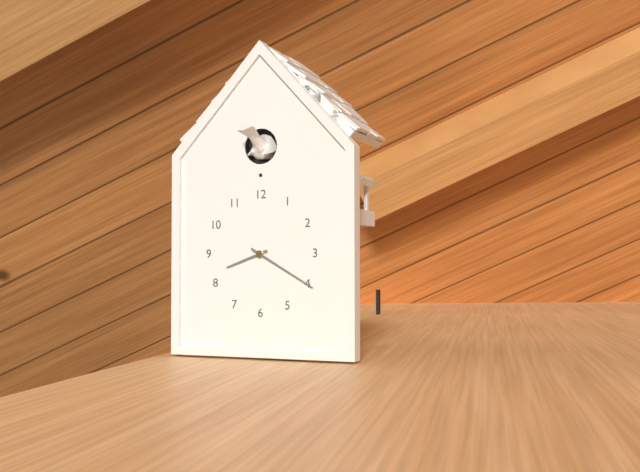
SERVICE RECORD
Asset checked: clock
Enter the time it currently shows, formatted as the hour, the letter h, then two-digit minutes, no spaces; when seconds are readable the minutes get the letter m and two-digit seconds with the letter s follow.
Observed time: 8h20
